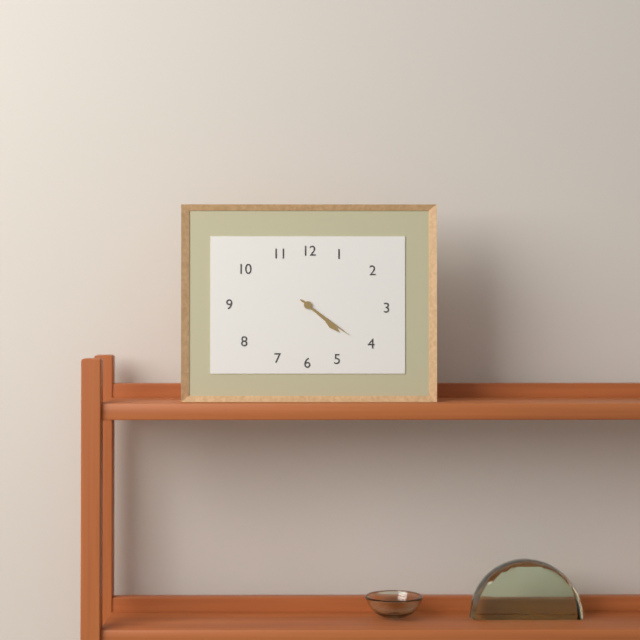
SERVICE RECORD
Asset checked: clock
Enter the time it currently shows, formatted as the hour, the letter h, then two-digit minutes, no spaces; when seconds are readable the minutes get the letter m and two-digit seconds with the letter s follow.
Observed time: 4h21
